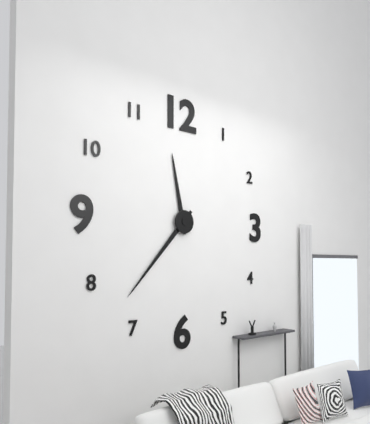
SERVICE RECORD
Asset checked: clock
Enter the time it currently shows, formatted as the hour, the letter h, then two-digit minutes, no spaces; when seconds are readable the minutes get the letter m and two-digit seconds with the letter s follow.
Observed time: 11h37
